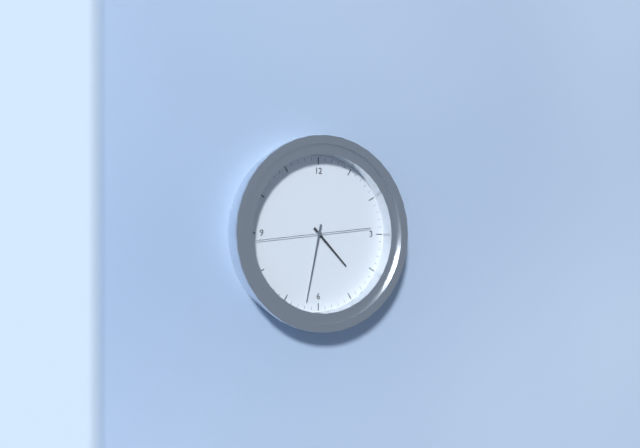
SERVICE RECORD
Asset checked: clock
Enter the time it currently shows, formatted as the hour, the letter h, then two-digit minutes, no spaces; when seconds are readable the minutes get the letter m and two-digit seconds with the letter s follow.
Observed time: 4h32m44s
